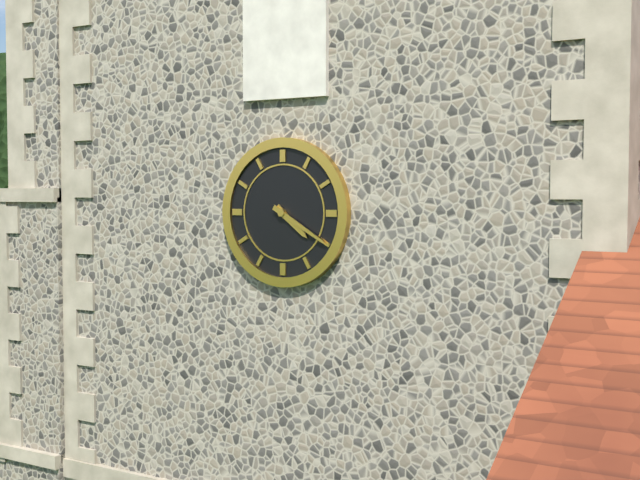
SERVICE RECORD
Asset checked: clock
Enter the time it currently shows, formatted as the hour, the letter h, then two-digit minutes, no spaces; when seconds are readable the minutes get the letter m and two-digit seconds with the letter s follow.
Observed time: 4h20
